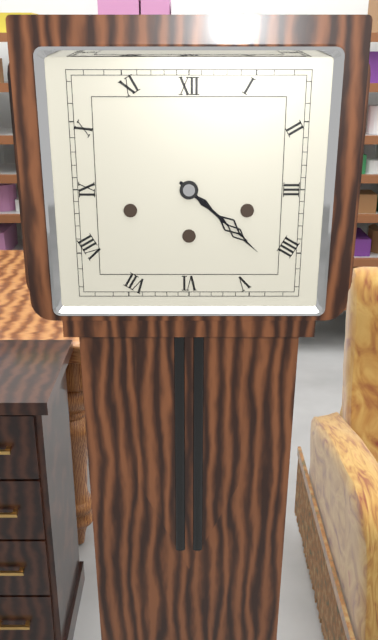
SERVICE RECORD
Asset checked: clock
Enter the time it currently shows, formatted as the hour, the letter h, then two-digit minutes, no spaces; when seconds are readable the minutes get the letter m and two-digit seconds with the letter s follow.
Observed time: 4h22
